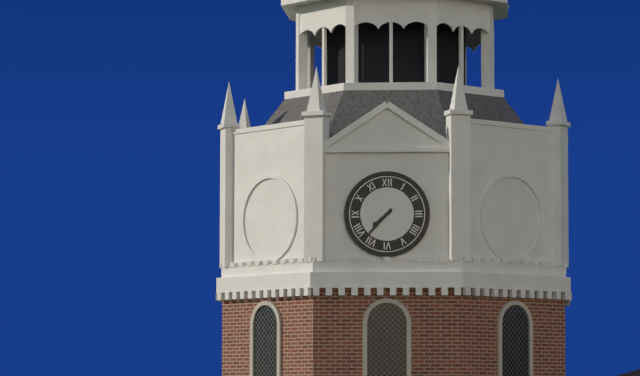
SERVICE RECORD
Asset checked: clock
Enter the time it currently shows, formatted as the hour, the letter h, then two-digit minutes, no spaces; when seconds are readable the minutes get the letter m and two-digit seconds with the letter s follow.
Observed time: 7h37
